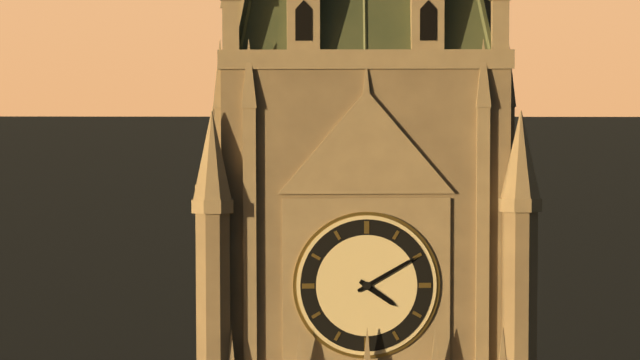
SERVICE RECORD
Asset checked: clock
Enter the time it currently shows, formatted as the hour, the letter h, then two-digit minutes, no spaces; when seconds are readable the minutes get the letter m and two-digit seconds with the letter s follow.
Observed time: 4h10
